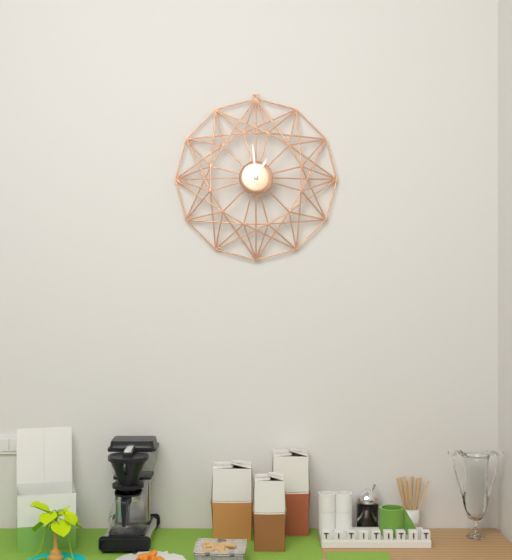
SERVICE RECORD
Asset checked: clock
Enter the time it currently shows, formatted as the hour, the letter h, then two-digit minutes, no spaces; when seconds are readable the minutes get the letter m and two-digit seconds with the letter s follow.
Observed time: 12h59
